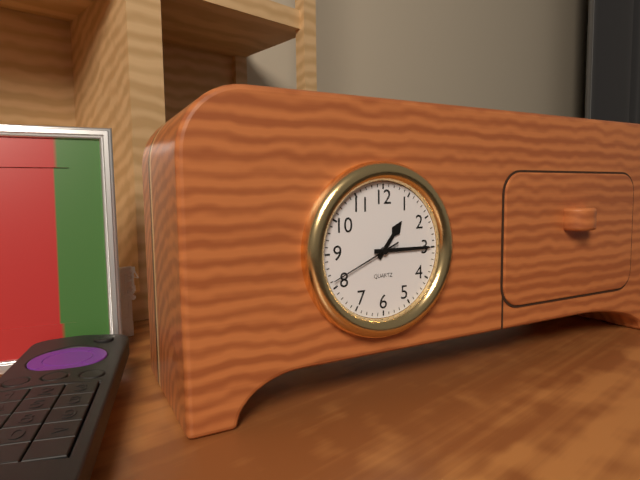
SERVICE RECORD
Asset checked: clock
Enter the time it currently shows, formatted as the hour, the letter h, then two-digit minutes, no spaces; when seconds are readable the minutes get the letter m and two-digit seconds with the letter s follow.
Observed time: 1h15m41s
